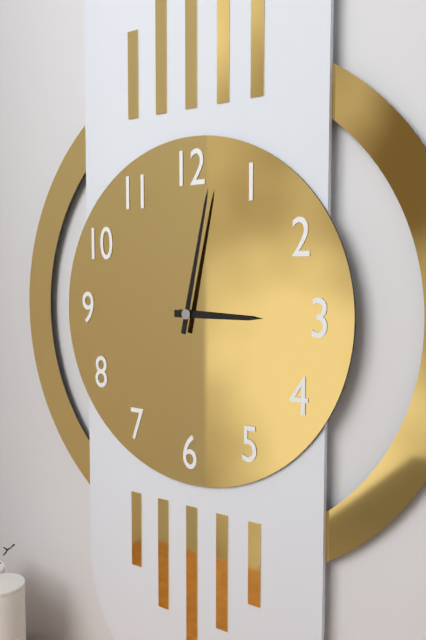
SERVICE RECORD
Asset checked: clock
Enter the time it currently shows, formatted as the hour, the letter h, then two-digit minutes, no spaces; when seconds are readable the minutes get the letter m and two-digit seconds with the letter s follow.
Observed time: 3h02
